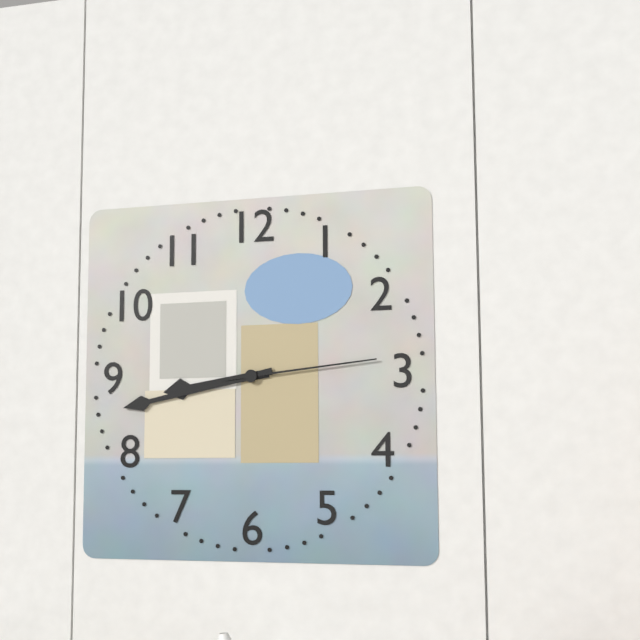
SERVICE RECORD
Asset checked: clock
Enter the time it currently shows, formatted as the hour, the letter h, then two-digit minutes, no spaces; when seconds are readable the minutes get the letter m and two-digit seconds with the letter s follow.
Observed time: 8h43m14s
